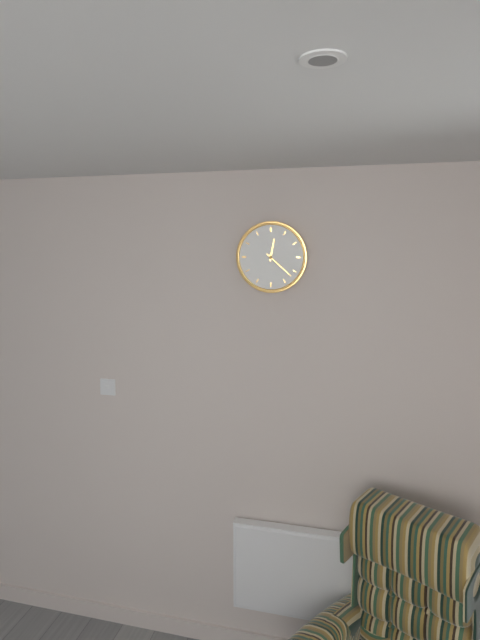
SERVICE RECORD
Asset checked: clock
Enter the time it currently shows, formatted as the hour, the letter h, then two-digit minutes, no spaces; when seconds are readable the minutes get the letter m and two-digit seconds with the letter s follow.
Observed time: 12h22
